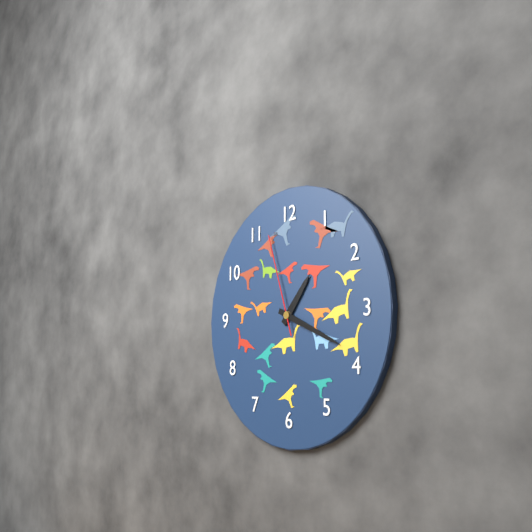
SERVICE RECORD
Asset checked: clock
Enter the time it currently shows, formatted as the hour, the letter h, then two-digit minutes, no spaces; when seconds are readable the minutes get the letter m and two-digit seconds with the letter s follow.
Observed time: 1h19m57s
